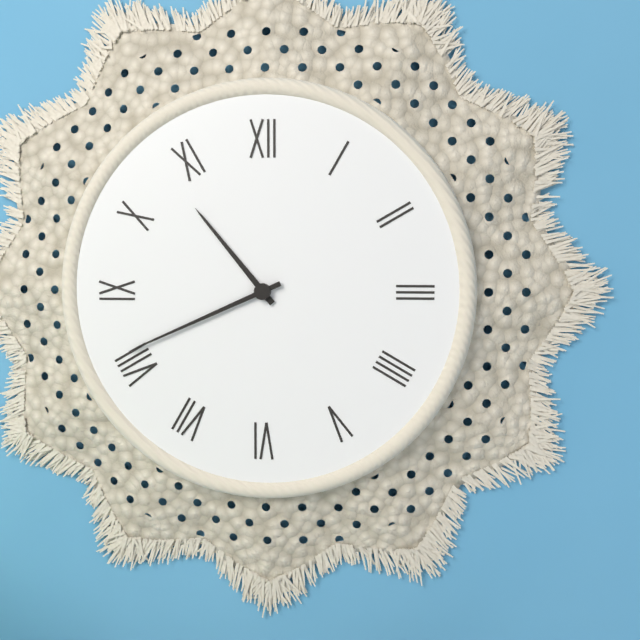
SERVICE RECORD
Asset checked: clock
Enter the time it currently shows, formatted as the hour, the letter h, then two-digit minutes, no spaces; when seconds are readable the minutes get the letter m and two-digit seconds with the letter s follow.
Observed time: 10h41
